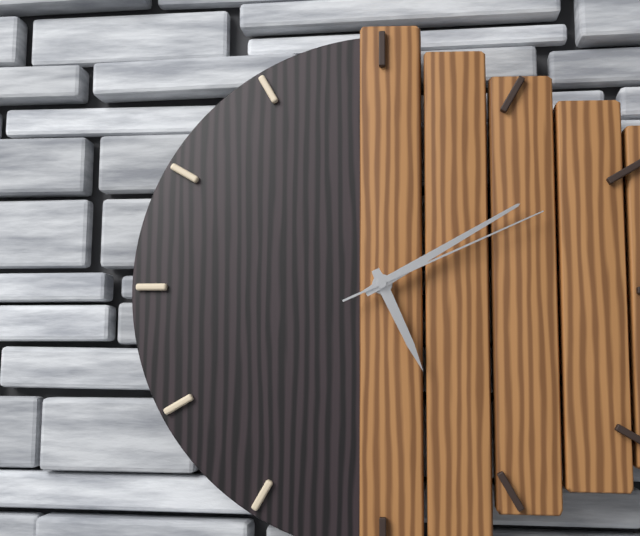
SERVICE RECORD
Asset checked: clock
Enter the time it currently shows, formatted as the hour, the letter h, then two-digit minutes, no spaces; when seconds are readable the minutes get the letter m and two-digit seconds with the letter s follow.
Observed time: 5h10m11s
